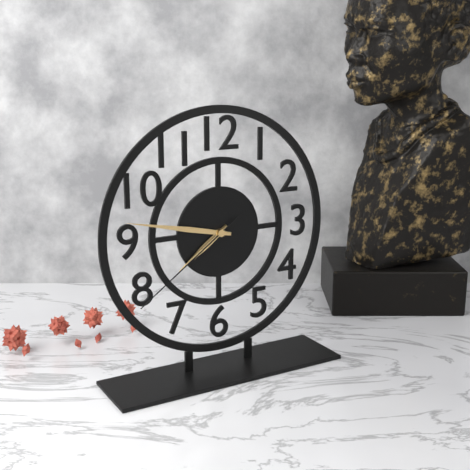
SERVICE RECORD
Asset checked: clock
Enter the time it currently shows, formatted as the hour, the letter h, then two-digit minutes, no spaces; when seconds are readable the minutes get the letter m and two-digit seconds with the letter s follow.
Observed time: 7h47m39s
